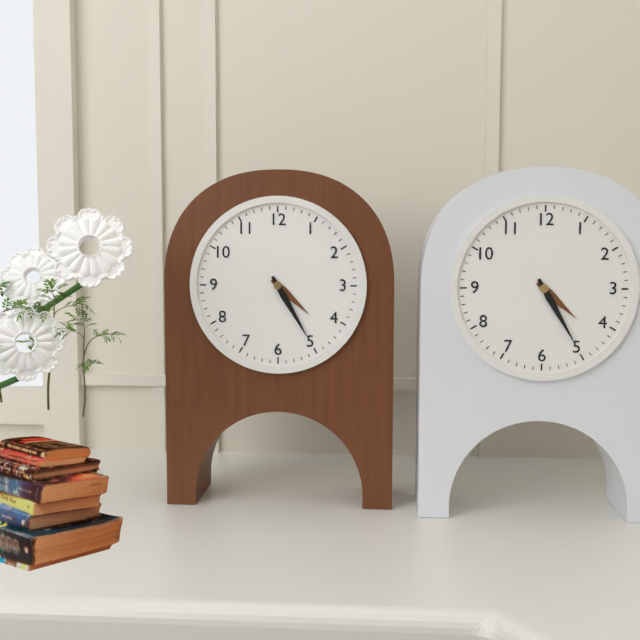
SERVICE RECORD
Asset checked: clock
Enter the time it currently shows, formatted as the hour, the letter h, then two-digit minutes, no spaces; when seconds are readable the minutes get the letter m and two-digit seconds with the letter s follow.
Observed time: 4h25
